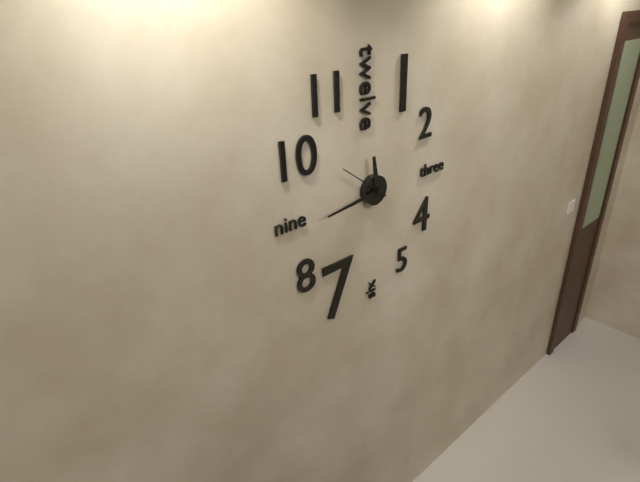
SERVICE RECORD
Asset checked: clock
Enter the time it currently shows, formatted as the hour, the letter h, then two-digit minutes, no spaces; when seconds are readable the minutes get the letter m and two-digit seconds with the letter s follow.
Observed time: 11h44m51s
